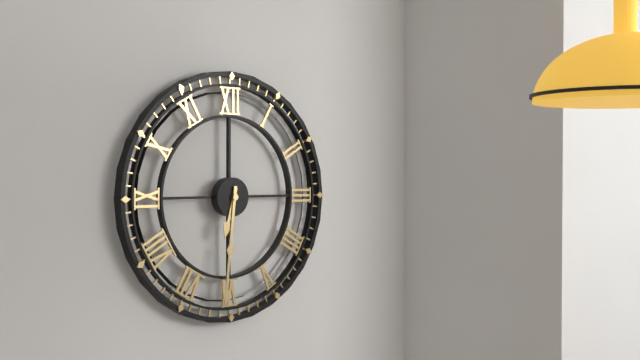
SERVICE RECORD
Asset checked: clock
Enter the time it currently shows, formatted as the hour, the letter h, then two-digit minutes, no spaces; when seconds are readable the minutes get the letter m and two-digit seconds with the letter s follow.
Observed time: 6h31
